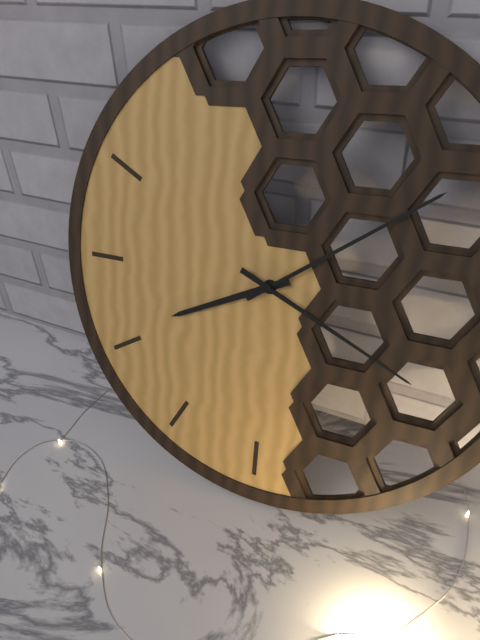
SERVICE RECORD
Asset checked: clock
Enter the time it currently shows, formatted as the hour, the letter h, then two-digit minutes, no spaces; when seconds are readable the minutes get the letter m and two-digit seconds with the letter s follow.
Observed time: 8h09m19s
